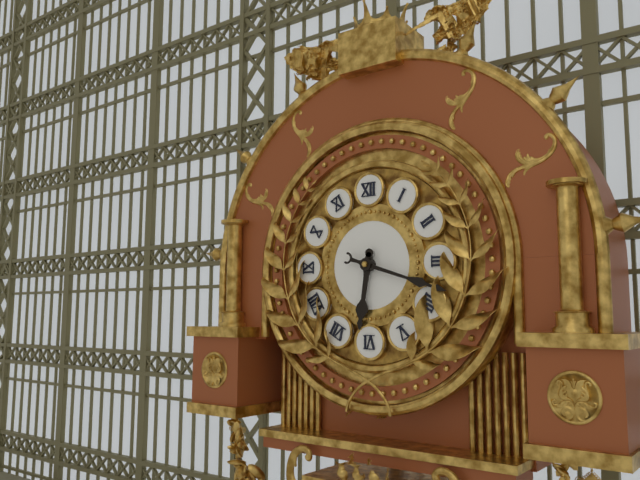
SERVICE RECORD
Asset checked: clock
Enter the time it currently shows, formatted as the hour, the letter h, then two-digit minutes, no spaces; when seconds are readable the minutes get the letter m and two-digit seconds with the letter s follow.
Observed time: 6h18
